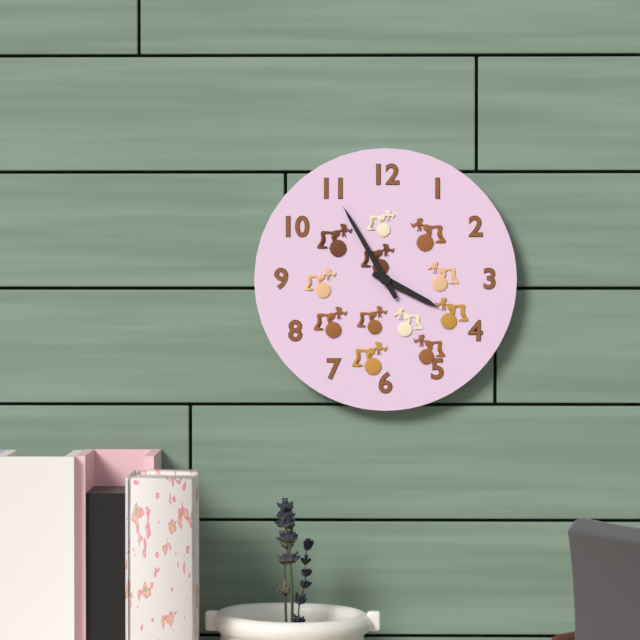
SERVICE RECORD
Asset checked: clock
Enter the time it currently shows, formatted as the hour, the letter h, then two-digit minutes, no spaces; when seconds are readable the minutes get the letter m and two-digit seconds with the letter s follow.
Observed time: 3h55
